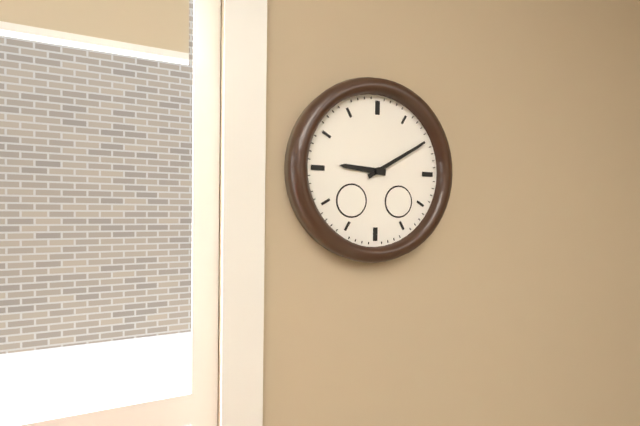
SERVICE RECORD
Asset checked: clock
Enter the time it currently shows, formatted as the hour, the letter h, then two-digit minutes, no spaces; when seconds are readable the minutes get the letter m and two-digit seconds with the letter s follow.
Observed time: 9h10
